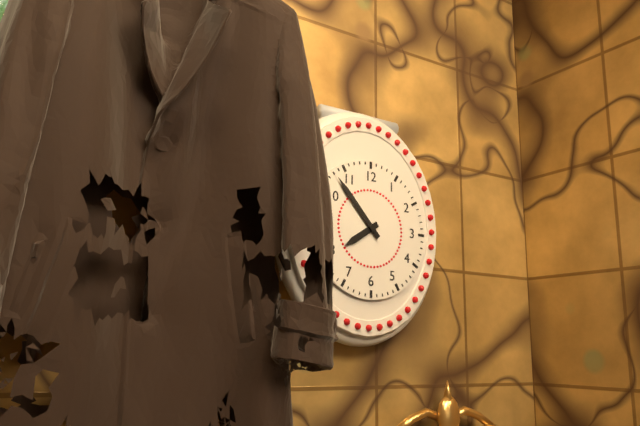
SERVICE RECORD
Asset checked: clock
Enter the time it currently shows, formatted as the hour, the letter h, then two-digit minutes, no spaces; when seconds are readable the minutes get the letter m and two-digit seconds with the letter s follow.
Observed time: 7h53
